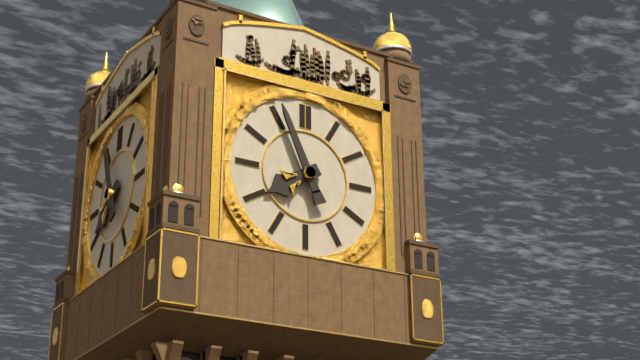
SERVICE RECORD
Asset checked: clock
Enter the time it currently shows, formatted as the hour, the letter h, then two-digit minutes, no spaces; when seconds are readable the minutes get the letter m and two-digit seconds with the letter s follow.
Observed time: 7h56
